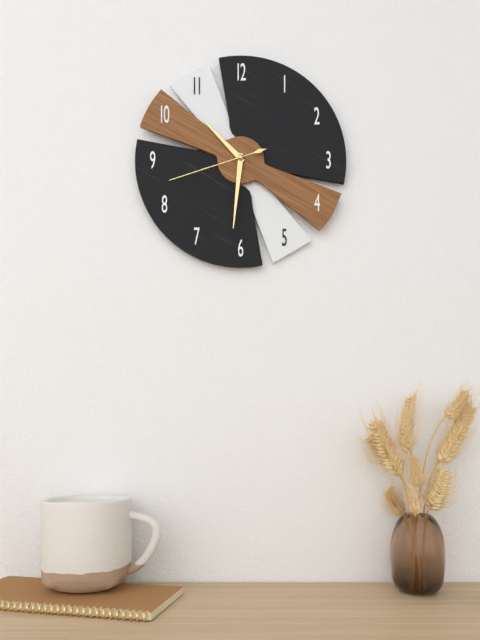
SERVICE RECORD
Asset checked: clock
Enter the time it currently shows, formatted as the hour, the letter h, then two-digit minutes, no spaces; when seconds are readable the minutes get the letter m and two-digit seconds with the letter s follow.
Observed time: 10h31m42s
